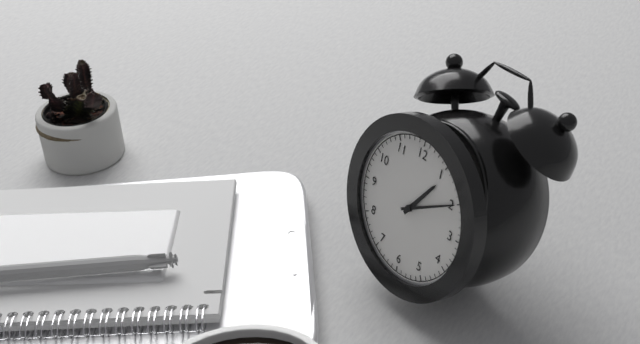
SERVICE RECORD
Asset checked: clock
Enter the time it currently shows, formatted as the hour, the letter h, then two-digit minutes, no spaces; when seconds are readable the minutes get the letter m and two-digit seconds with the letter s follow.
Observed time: 1h10
